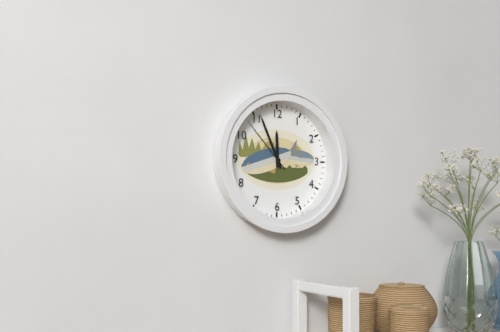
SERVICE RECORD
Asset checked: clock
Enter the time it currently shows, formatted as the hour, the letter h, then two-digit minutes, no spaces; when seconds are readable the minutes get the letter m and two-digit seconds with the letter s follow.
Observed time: 11h56m53s
